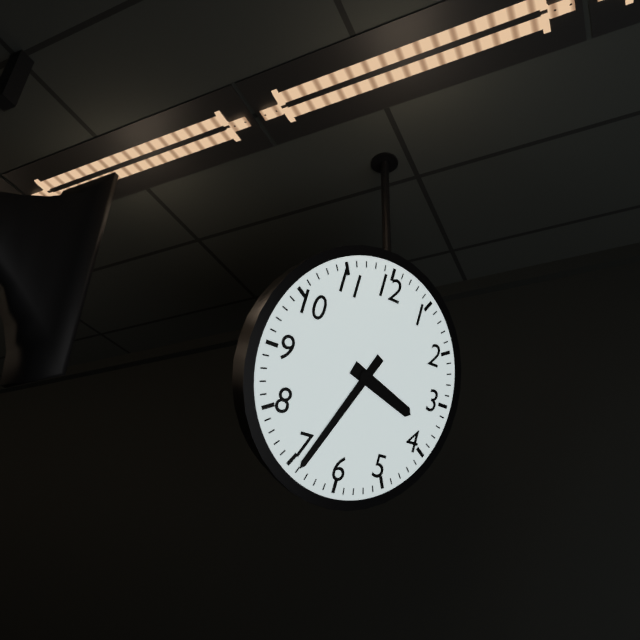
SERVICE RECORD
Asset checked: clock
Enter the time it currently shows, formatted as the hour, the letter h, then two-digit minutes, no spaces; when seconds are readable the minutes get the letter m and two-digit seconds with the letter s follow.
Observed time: 3h34
